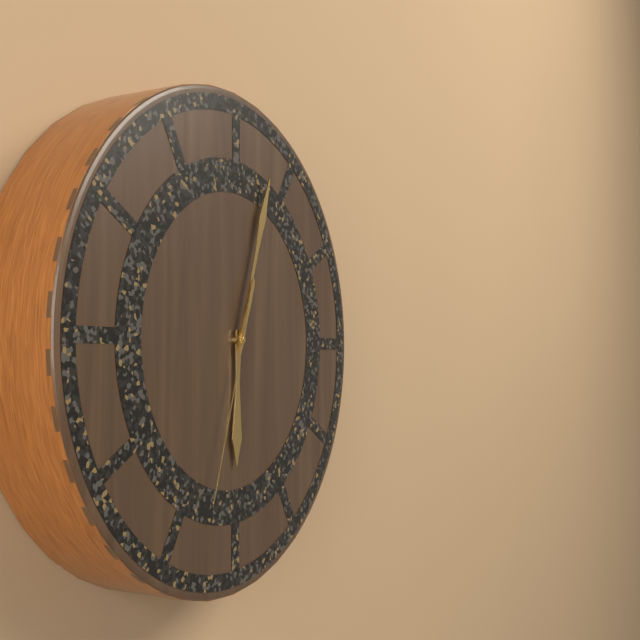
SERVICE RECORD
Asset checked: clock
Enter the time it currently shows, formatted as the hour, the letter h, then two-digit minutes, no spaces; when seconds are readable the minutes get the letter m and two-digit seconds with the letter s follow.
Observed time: 6h03m33s
